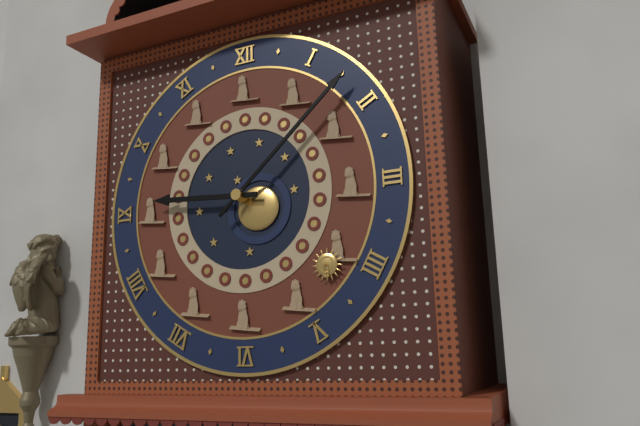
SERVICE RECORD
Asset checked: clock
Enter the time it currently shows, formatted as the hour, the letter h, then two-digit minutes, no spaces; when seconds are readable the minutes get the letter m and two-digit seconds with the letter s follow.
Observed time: 9h08
